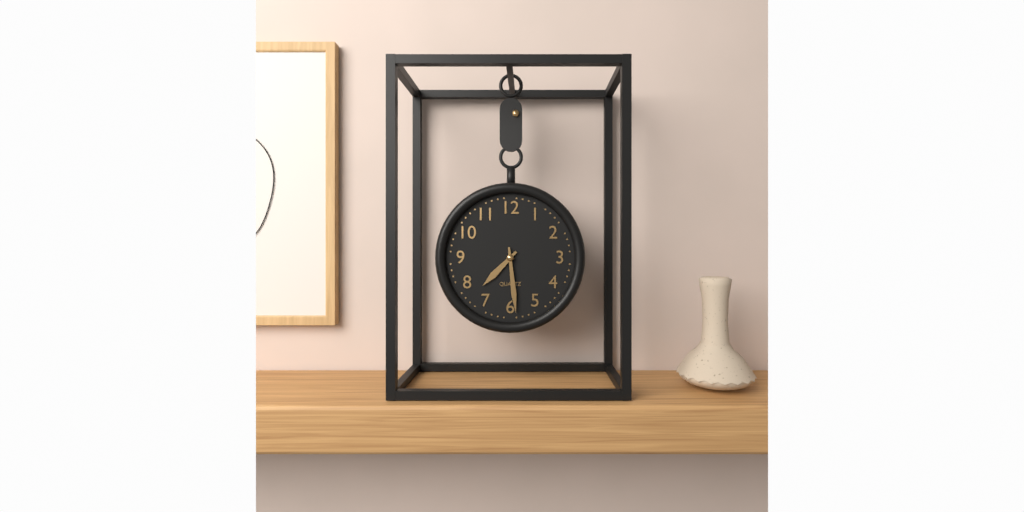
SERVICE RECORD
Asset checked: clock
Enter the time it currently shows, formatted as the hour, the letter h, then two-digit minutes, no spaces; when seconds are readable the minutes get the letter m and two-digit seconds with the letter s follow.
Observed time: 7h29
